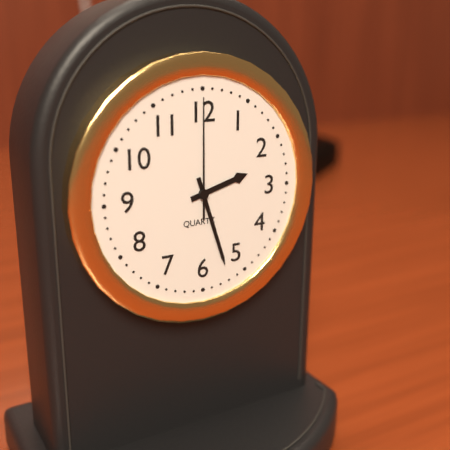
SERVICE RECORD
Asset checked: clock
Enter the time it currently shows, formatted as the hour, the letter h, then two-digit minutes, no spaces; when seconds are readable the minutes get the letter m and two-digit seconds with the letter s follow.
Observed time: 2h27m00s
